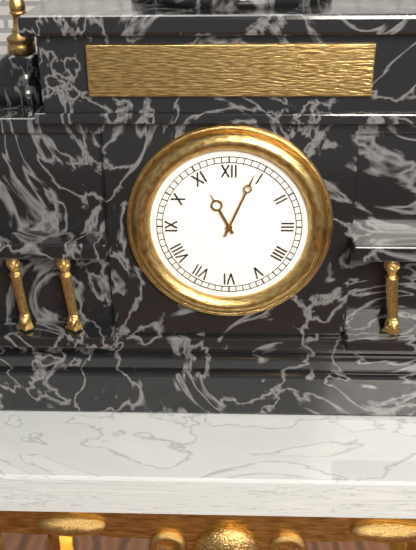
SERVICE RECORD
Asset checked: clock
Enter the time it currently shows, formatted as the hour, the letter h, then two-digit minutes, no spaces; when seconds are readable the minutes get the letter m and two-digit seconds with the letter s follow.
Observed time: 11h04
